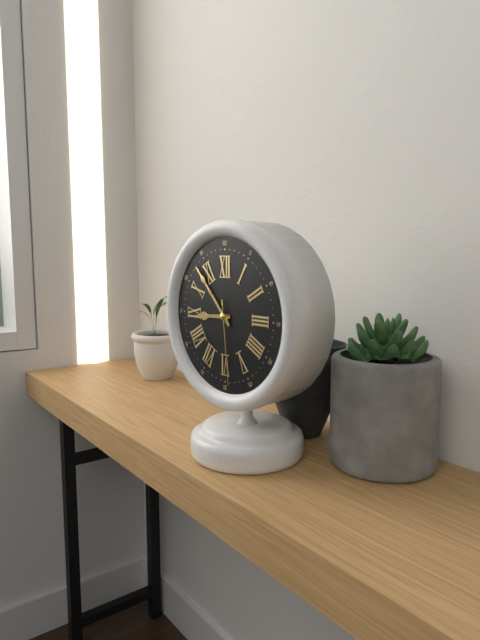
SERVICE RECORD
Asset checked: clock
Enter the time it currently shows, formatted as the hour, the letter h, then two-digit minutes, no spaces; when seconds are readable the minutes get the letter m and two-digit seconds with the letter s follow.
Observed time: 8h53m29s
